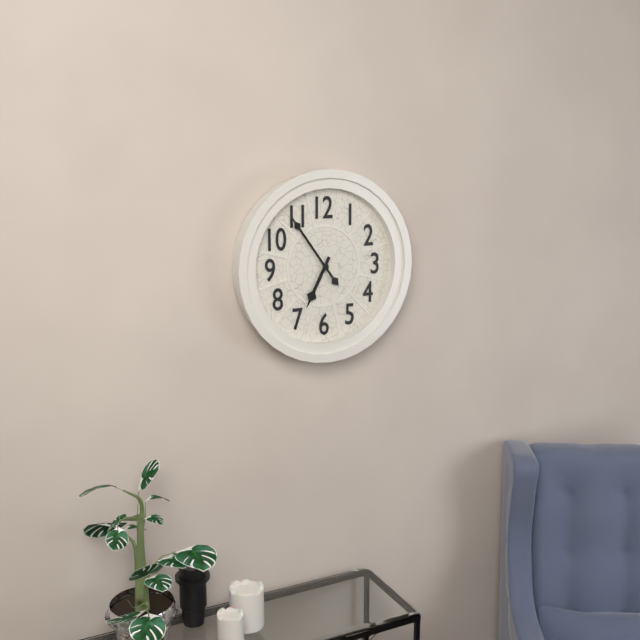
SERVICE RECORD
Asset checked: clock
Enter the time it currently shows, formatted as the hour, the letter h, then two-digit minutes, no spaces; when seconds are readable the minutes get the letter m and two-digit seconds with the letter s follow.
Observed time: 6h54
